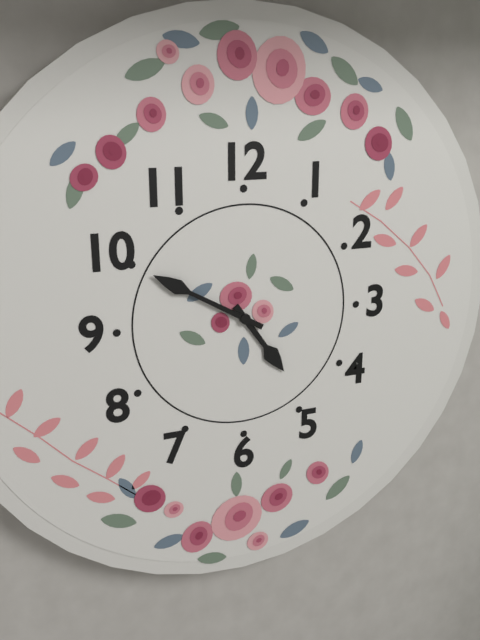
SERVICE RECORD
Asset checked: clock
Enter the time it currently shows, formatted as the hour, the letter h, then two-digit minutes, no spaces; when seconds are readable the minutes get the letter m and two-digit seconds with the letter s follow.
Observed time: 4h50
